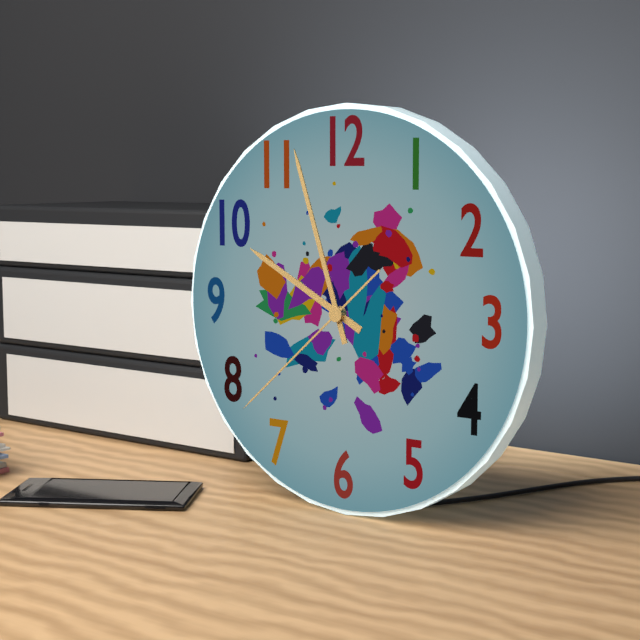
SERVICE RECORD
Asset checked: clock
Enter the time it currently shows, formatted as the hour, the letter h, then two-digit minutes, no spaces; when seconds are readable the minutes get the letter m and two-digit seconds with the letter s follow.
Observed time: 9h57m38s
